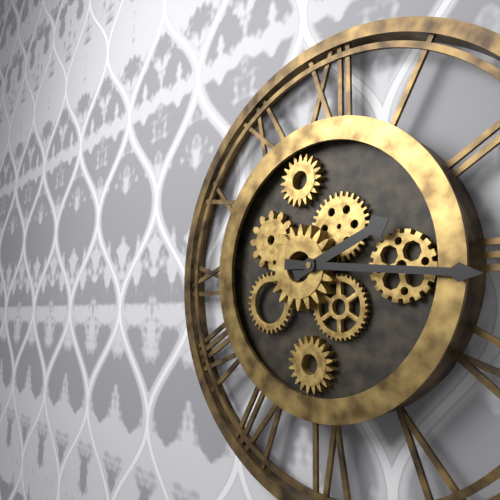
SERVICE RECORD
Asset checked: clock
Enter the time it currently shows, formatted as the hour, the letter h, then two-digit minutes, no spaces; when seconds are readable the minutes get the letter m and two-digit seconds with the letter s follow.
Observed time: 2h16
